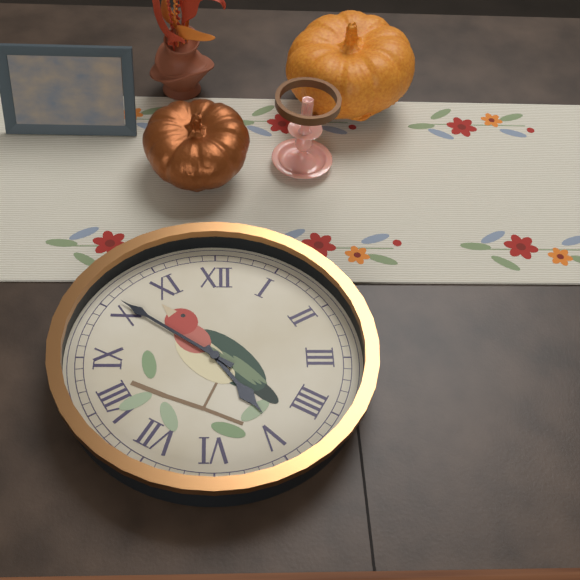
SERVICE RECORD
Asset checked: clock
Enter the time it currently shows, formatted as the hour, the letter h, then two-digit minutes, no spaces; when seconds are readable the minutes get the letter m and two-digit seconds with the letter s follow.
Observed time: 4h51
